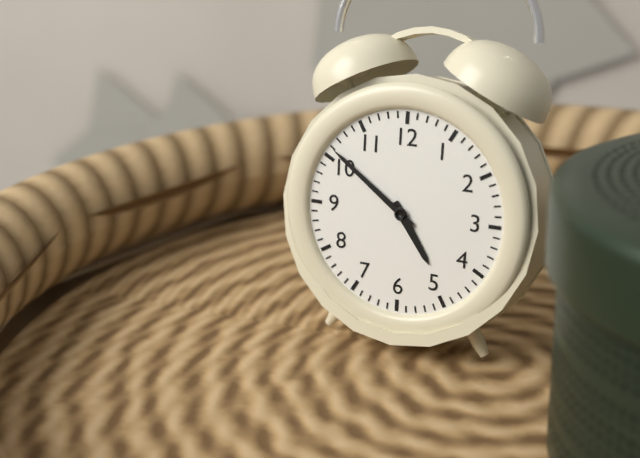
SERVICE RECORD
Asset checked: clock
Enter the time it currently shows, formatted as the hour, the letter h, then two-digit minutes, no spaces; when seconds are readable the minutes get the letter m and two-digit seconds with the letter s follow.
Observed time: 4h51
